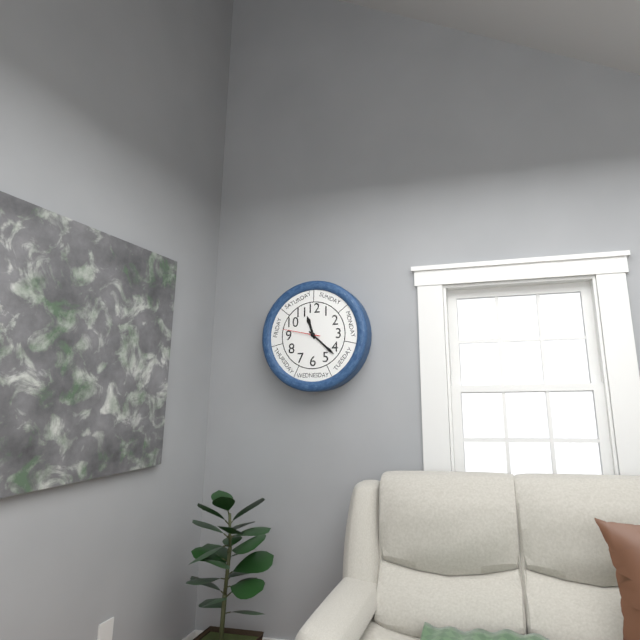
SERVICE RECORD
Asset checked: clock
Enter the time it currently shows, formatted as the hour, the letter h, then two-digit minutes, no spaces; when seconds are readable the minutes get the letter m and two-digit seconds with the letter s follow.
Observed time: 11h22
